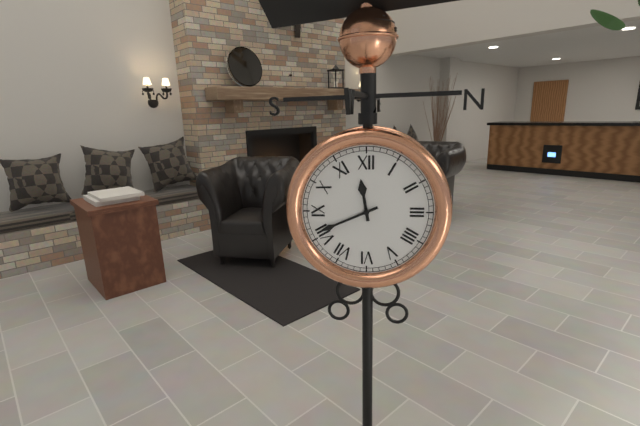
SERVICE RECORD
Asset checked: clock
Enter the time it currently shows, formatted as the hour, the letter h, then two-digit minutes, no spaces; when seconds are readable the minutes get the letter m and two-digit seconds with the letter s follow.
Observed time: 11h41
